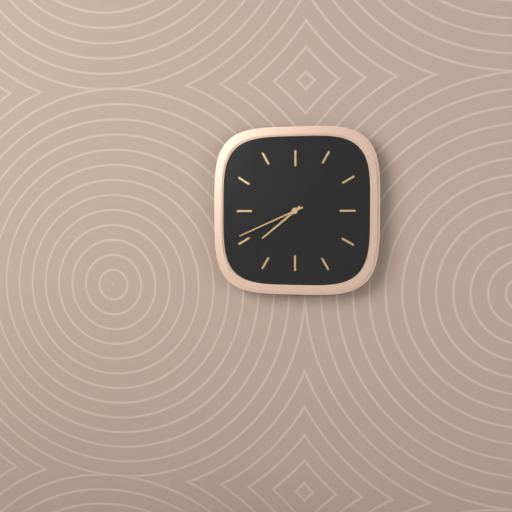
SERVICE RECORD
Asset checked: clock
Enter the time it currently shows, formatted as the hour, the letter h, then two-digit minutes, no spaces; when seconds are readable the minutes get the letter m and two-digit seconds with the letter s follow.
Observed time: 7h41
